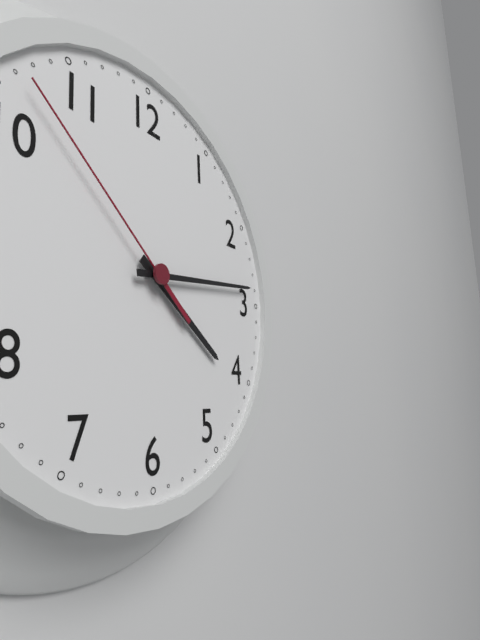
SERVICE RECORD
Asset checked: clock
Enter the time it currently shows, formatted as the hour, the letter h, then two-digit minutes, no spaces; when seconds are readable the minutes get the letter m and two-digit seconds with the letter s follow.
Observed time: 4h14m52s
